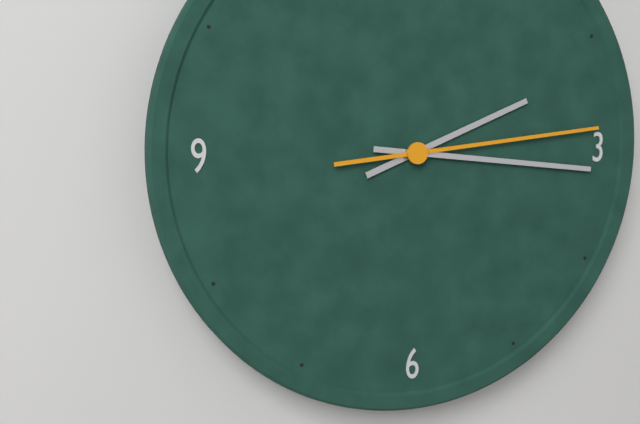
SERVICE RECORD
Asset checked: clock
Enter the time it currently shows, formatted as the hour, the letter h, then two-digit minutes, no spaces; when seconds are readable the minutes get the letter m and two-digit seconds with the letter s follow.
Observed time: 2h16m14s
